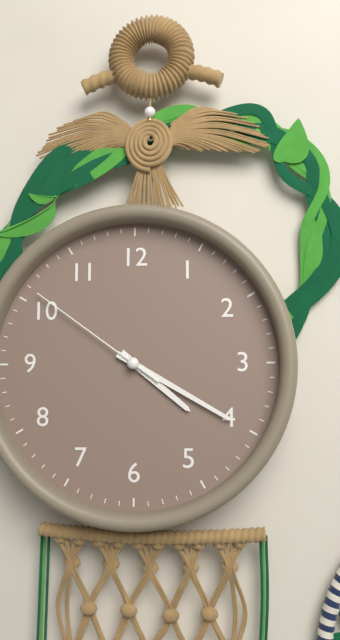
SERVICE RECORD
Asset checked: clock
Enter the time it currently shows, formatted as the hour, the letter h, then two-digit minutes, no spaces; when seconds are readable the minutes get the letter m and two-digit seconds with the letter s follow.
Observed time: 4h20m51s
